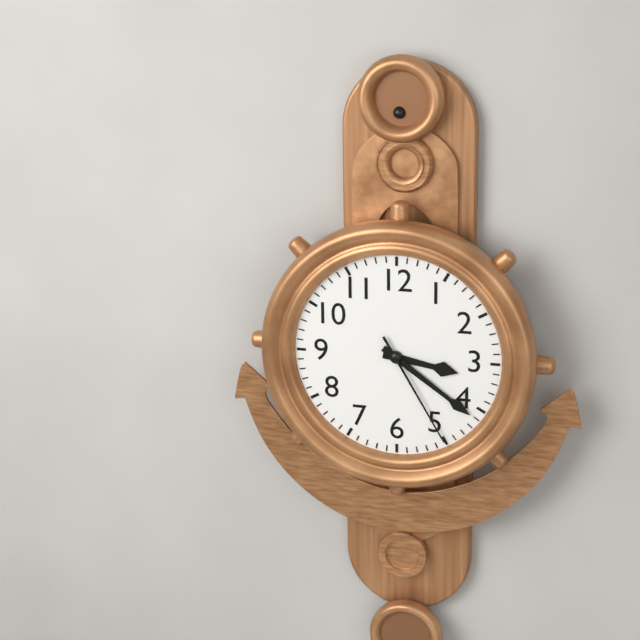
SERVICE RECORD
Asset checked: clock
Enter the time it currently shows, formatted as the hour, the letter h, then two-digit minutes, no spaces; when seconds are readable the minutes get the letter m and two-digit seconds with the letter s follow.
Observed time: 3h21m25s
